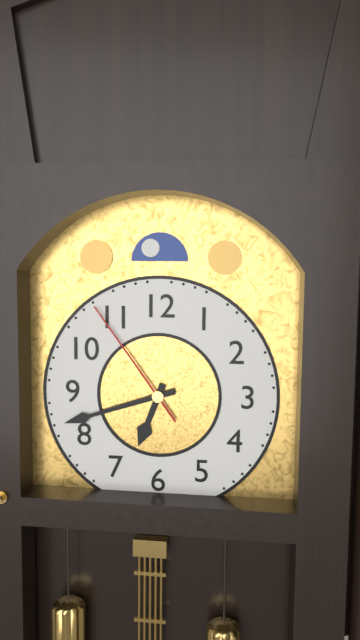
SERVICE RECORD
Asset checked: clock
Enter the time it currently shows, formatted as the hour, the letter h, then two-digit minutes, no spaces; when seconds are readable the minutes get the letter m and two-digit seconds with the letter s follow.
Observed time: 6h42m54s
